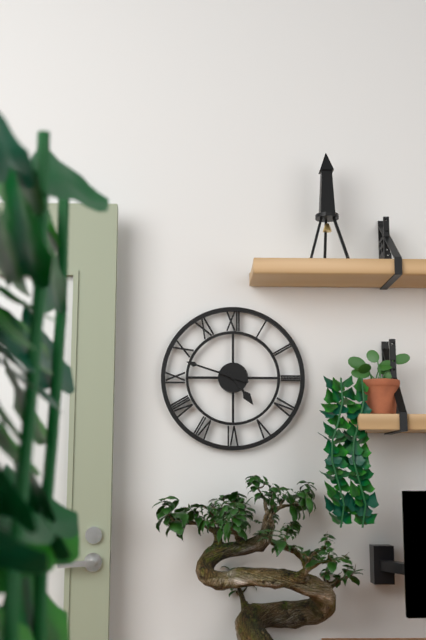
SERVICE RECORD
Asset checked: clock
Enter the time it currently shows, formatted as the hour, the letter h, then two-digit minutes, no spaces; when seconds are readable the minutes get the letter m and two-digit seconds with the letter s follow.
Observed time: 4h48
